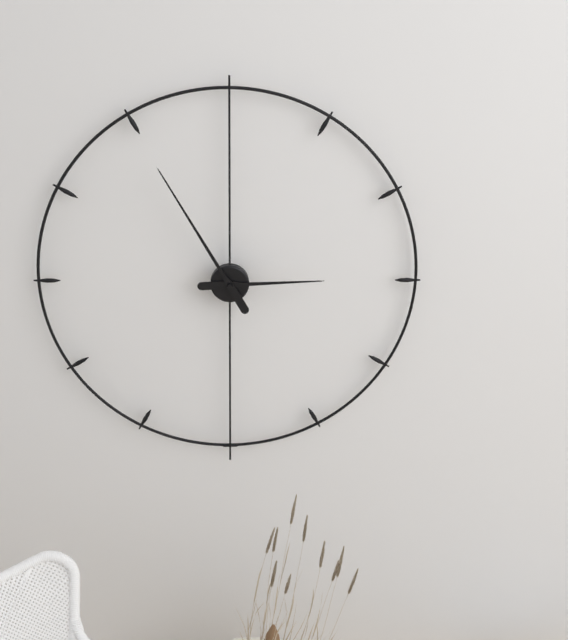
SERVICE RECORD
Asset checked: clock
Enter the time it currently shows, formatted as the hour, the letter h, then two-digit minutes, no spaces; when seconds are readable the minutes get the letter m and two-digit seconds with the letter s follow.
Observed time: 2h55
